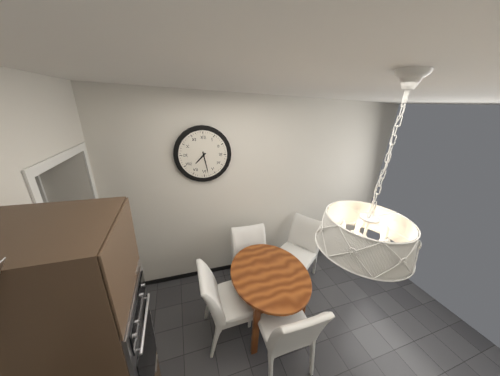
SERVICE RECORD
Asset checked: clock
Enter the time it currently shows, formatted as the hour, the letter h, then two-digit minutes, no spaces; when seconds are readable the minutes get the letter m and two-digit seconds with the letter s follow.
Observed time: 7h28
